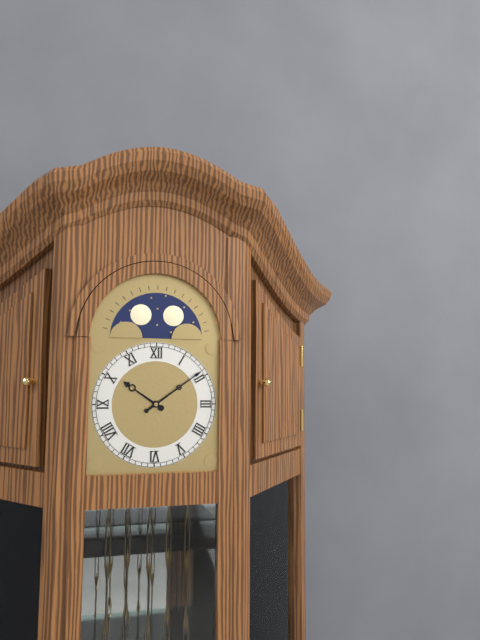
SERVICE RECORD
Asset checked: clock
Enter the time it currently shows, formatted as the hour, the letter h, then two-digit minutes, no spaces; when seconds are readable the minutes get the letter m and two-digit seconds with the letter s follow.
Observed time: 10h09
